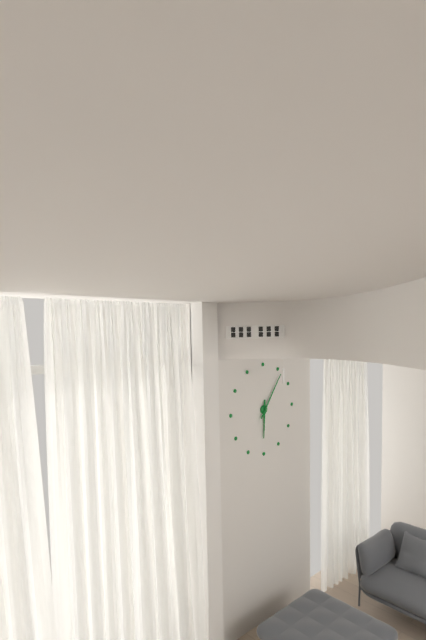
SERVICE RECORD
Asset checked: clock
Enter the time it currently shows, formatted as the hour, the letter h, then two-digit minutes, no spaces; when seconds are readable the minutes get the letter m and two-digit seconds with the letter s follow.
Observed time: 6h06
